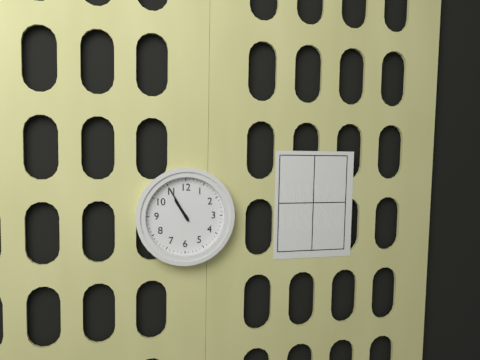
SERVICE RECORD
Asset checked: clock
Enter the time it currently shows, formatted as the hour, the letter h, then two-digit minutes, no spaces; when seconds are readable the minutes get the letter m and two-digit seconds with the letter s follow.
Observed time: 10h55
